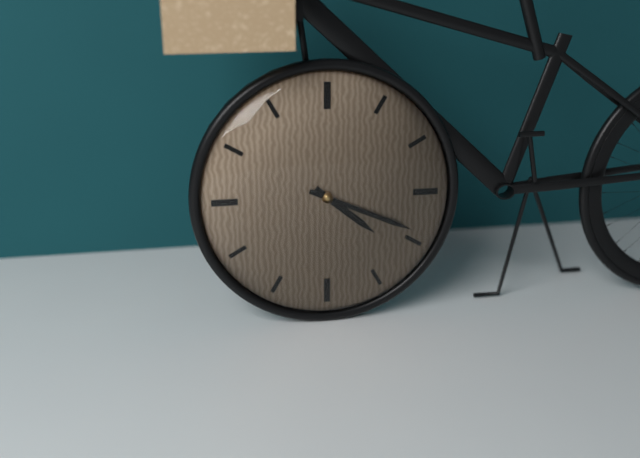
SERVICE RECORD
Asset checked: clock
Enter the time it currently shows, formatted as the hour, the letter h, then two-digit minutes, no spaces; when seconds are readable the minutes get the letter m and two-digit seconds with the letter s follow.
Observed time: 4h19
